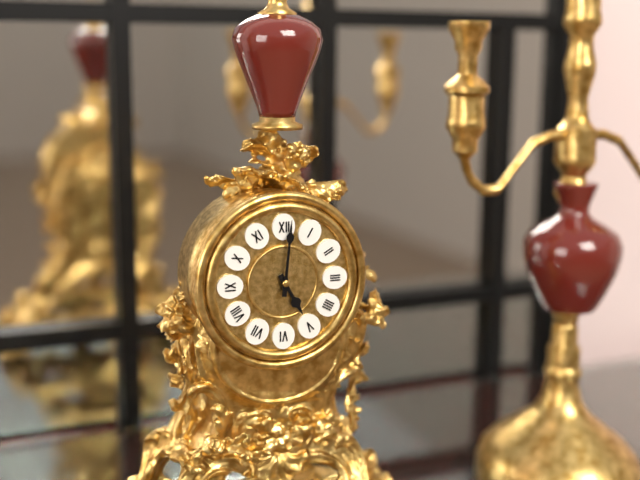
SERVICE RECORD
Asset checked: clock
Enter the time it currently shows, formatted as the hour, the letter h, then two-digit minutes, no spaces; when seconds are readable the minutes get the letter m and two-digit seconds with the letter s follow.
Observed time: 5h01
